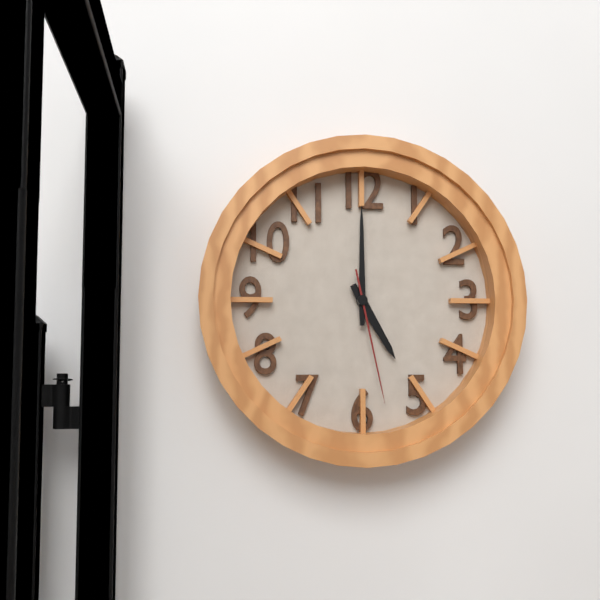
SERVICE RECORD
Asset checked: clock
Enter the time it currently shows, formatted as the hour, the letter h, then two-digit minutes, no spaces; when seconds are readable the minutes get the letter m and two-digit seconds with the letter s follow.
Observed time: 5h00m28s
